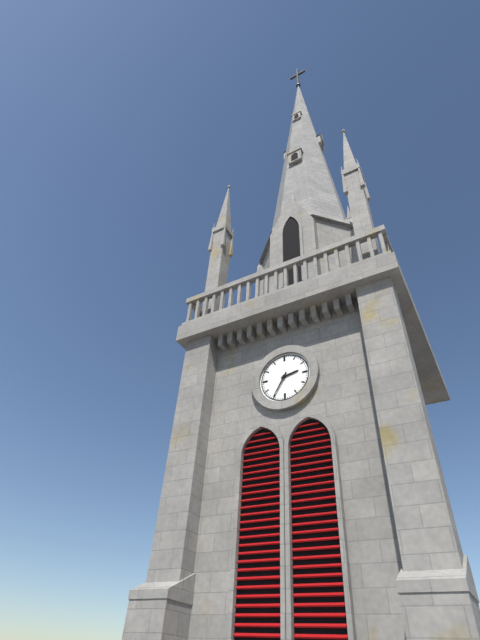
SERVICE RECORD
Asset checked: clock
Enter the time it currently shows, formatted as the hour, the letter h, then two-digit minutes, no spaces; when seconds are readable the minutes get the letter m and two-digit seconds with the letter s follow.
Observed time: 2h35
